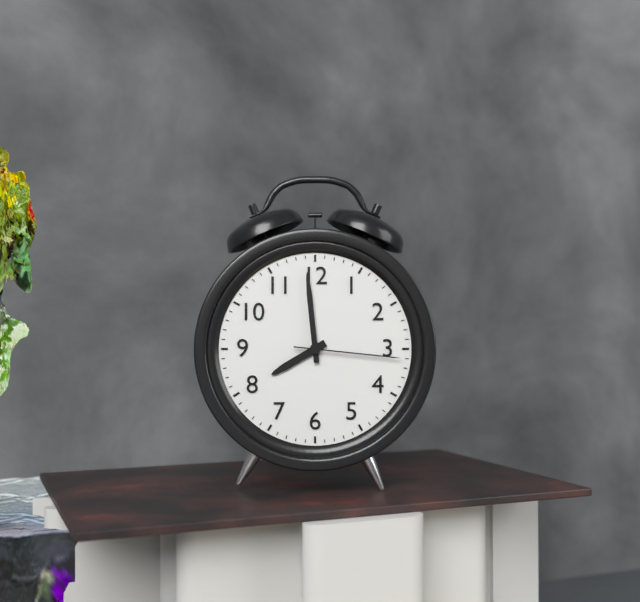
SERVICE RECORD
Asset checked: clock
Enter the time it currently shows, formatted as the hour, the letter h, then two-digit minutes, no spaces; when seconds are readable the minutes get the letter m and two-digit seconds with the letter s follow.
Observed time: 7h59m16s
